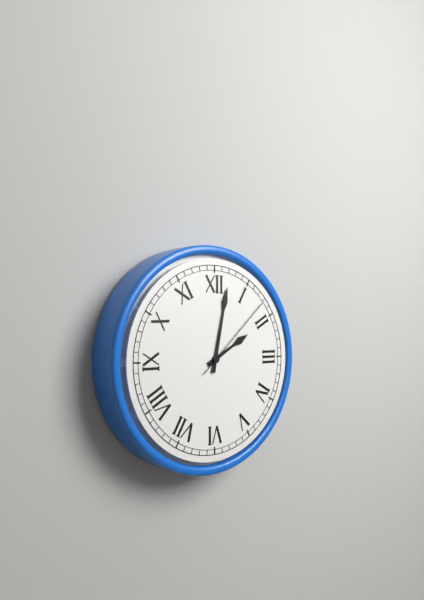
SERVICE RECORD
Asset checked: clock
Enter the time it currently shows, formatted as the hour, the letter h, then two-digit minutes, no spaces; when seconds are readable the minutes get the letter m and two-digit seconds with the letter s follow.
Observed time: 2h02m08s
